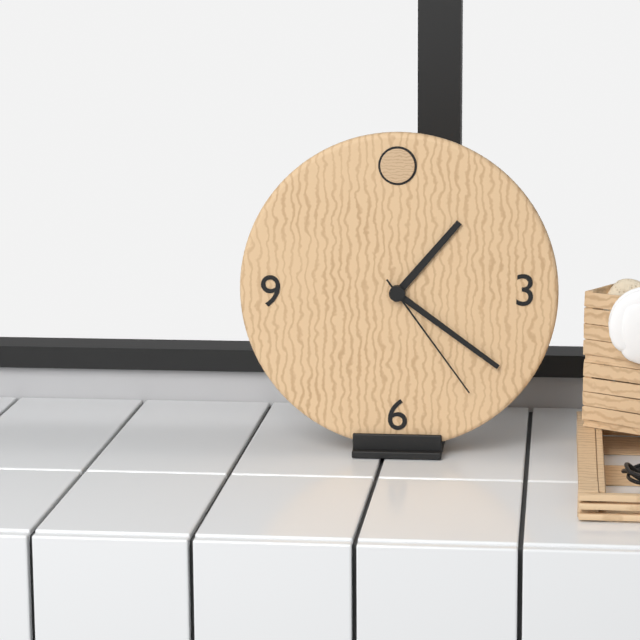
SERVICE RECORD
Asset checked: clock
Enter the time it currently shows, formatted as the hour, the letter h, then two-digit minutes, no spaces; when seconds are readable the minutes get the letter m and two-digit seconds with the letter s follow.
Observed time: 1h21m24s
